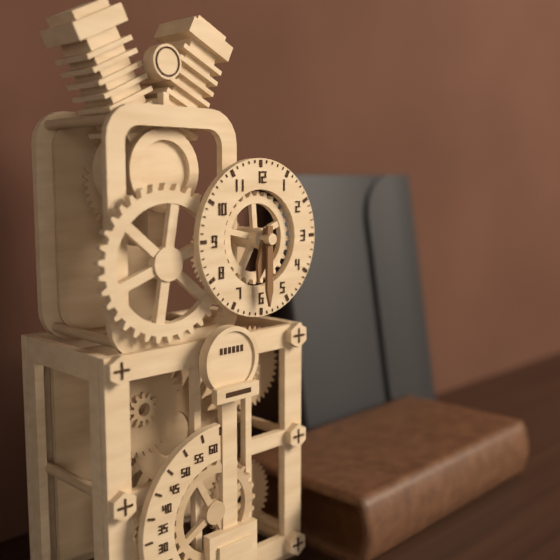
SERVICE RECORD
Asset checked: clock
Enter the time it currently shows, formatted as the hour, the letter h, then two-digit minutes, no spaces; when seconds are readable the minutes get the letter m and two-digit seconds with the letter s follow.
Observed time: 6h30
